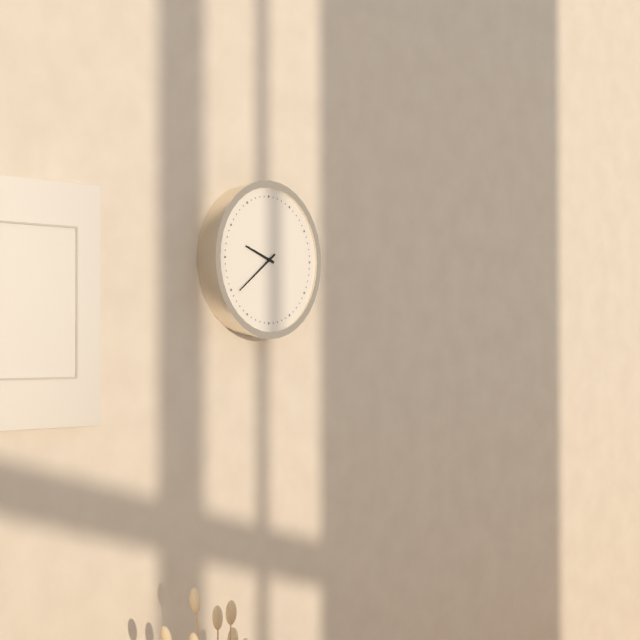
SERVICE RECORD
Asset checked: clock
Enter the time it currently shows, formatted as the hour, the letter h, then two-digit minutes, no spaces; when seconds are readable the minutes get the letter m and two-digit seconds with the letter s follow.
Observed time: 9h39
